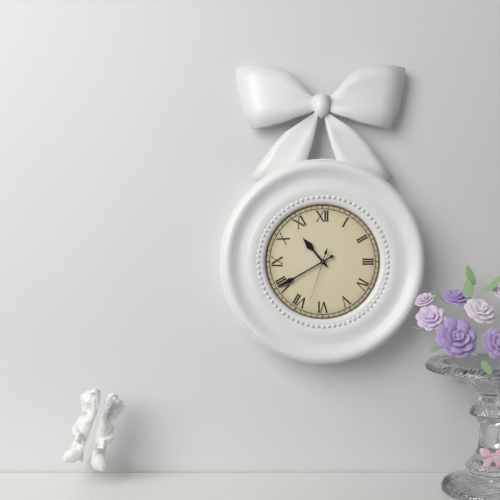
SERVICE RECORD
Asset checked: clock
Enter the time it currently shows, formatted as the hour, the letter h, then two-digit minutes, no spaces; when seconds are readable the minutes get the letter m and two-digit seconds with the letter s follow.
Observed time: 10h40m33s
